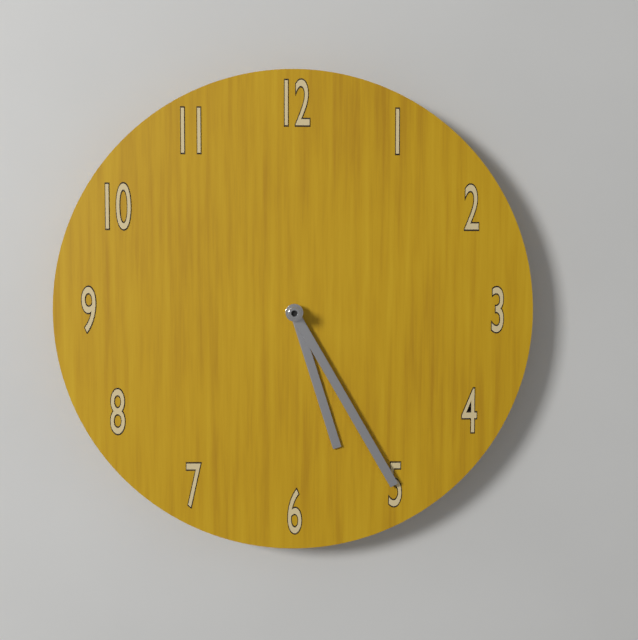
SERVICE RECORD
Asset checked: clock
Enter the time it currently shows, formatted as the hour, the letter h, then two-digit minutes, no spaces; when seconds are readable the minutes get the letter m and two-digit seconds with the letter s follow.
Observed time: 5h25
